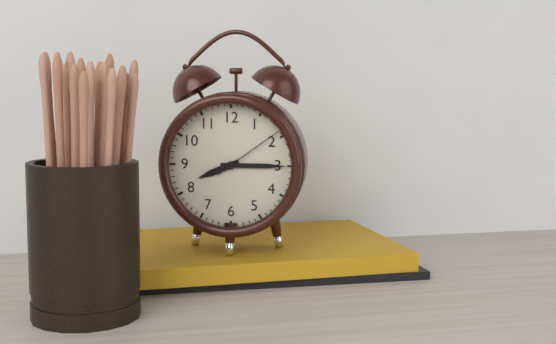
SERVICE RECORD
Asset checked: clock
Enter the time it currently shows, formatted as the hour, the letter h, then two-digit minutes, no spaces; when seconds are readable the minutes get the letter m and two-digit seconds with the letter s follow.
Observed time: 8h15m09s
